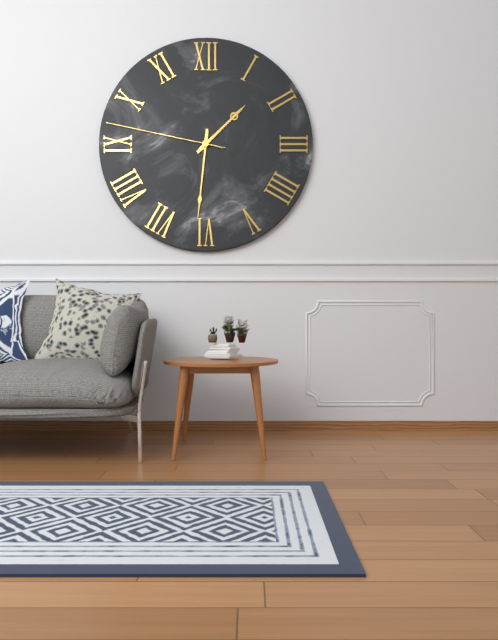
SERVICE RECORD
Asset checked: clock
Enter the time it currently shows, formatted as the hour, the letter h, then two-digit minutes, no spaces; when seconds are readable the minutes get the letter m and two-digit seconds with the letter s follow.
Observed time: 1h31m47s
